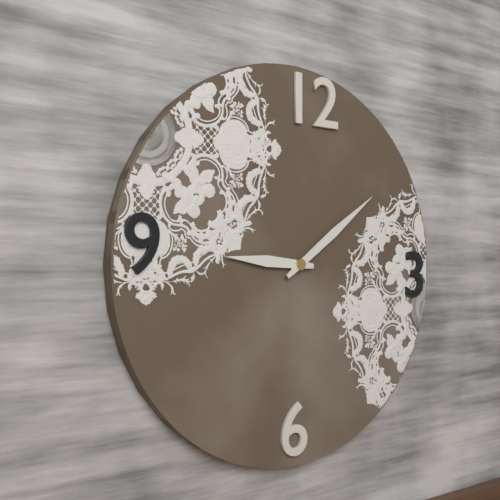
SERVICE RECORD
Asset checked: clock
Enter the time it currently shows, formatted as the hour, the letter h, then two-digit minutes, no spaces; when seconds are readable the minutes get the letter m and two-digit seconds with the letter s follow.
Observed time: 9h09
